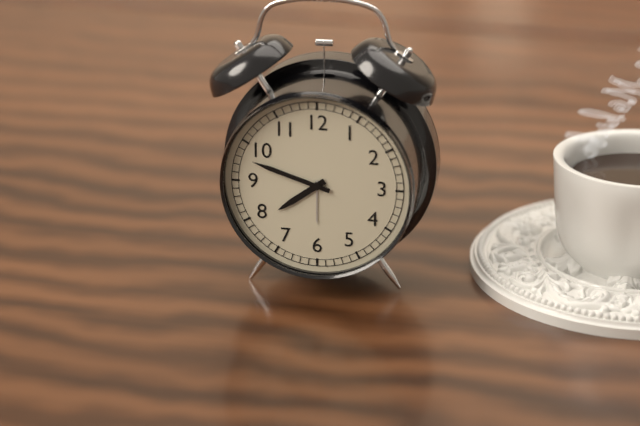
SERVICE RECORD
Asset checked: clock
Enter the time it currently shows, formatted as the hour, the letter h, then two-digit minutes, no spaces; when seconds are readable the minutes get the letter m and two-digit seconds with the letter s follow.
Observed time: 7h48
